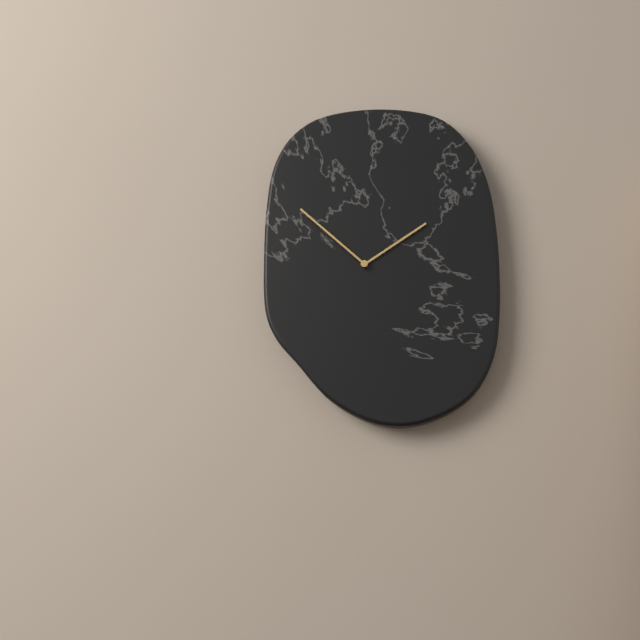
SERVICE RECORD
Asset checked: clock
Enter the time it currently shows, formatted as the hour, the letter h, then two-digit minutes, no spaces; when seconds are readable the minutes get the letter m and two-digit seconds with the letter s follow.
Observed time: 1h52
